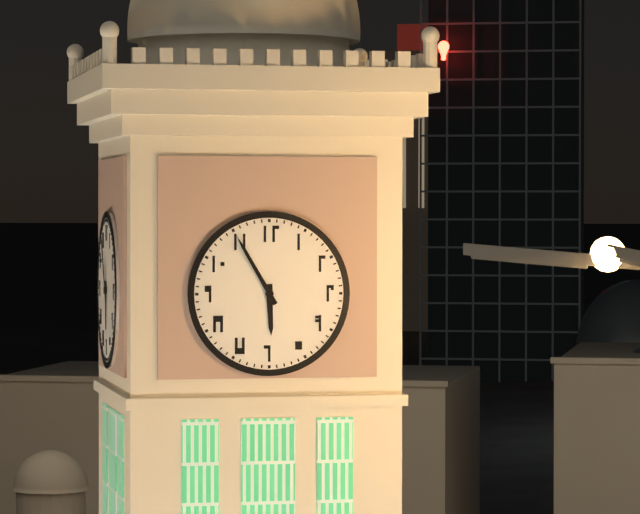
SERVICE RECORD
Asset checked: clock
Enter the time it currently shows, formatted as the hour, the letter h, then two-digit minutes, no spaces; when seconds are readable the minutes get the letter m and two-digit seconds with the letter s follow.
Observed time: 5h55
